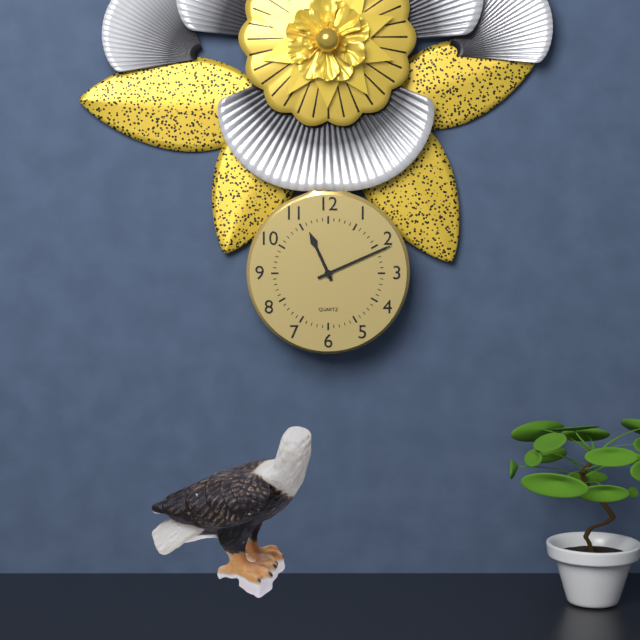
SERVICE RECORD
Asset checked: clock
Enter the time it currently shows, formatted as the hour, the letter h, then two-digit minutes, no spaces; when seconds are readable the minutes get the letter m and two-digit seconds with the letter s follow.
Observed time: 11h11
